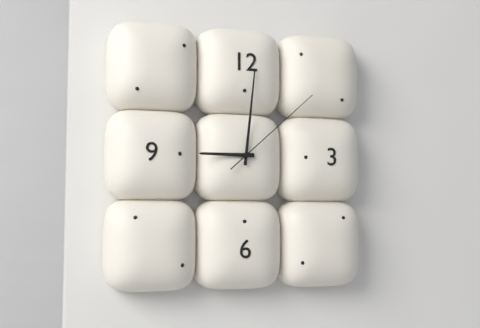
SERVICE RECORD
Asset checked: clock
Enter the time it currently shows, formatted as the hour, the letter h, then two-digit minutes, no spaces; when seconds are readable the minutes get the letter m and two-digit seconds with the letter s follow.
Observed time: 9h01m08s
